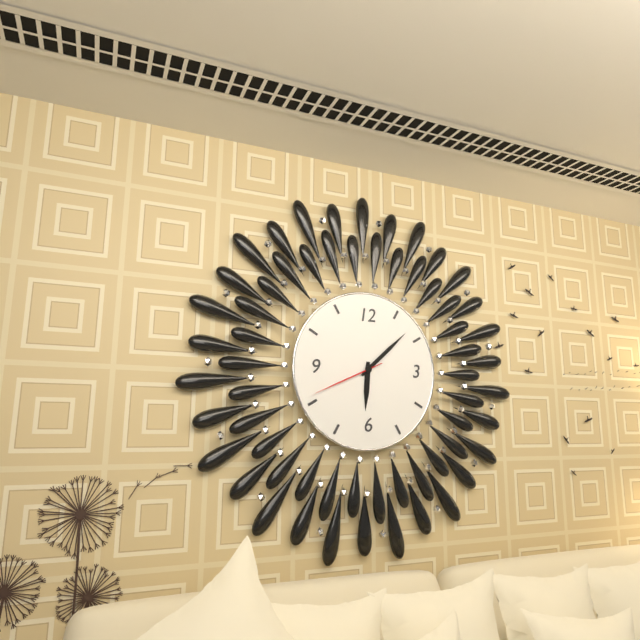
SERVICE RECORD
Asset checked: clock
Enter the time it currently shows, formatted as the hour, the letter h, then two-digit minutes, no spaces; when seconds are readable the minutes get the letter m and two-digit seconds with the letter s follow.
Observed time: 6h08m41s
